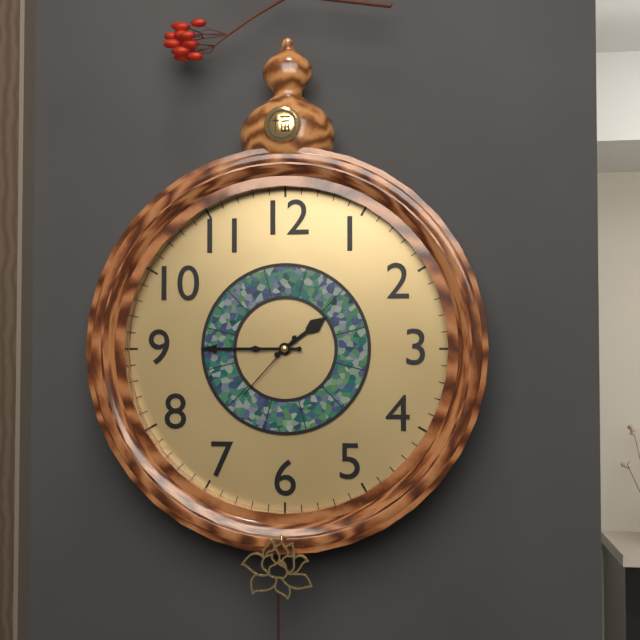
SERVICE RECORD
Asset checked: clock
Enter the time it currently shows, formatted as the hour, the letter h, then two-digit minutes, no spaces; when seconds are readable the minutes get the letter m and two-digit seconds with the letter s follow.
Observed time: 1h45m37s
